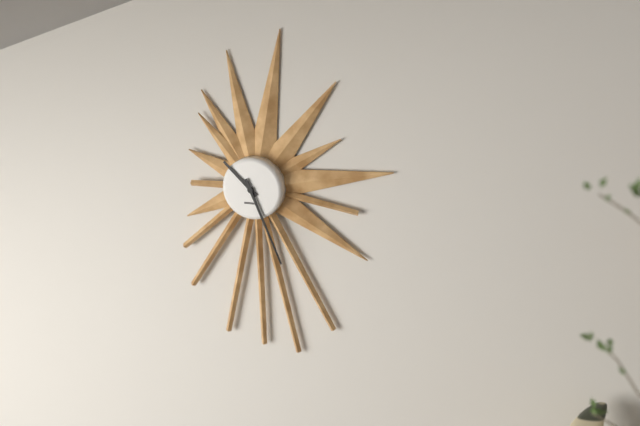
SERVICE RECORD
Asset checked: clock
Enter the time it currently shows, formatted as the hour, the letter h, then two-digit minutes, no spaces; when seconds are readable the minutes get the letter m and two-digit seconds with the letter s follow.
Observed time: 10h26
